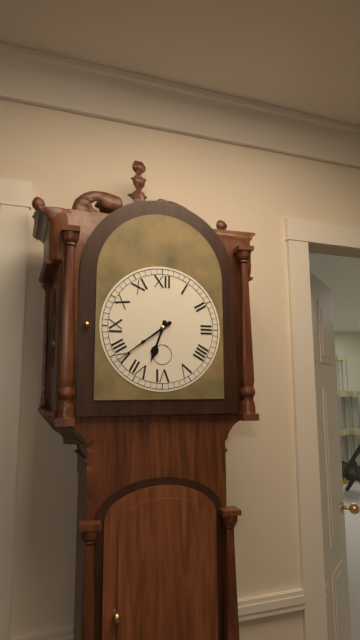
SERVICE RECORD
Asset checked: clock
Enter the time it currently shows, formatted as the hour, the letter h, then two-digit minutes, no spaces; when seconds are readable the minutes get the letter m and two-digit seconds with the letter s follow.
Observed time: 6h39
